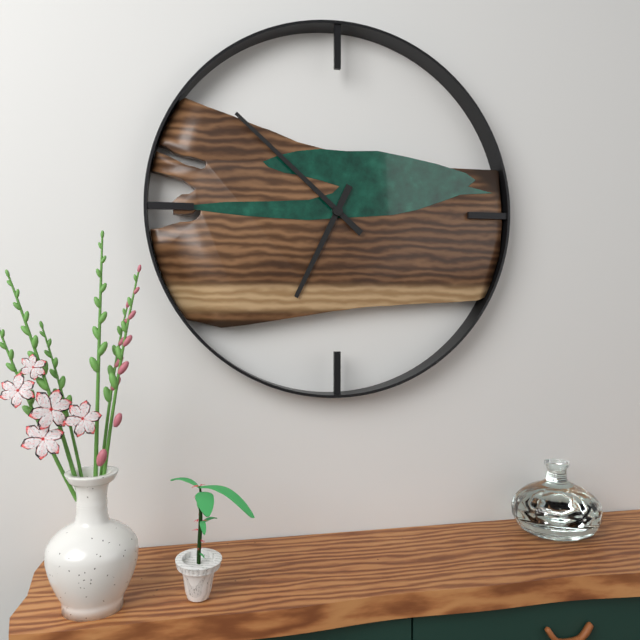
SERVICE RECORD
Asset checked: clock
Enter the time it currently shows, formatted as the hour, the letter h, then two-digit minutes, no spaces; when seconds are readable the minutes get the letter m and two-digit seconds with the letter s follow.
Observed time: 6h52
